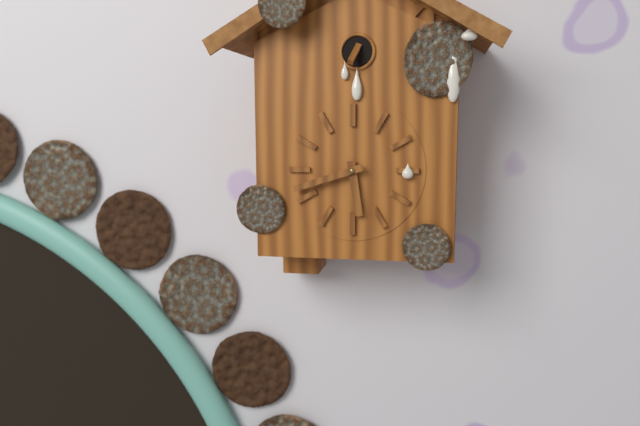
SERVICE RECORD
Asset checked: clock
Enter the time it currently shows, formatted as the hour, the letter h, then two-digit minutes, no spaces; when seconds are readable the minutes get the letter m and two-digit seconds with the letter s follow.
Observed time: 5h42
